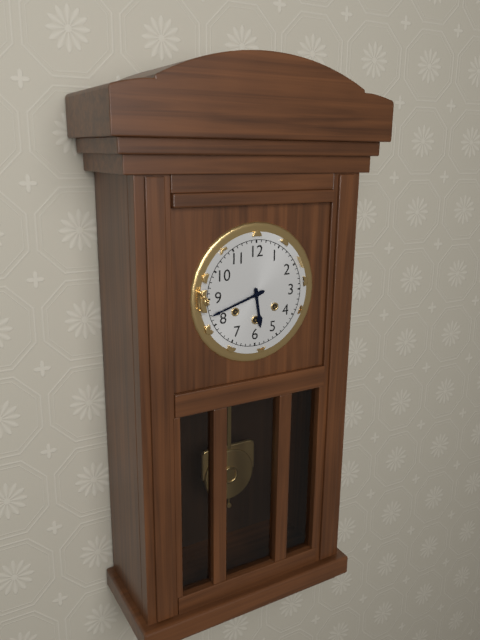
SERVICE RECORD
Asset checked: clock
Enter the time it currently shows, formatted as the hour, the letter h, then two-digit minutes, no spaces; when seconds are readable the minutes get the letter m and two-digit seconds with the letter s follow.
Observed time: 5h42
